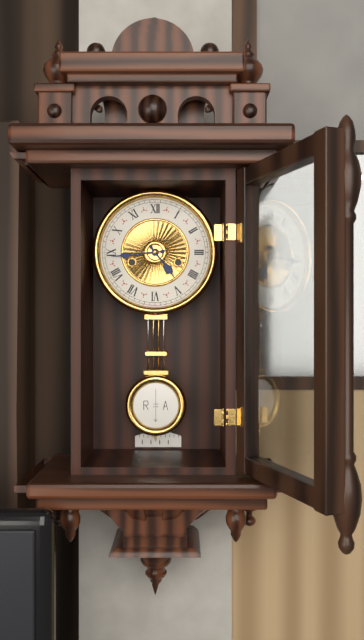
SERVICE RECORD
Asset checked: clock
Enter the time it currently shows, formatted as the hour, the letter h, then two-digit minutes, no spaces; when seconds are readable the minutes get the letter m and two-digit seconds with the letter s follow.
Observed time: 4h44
